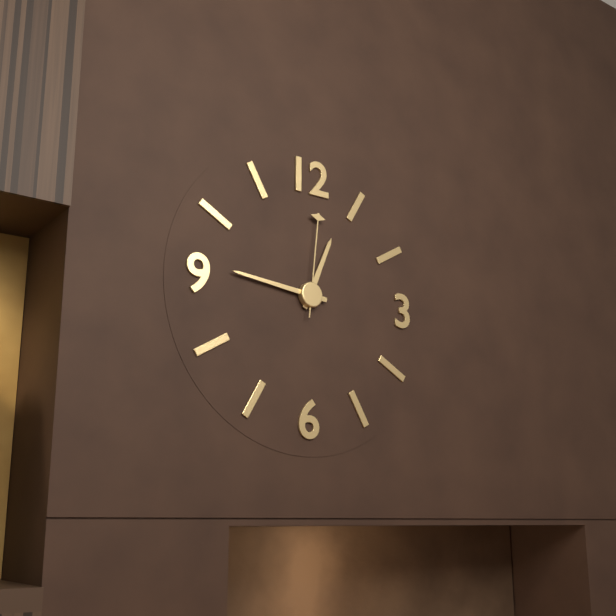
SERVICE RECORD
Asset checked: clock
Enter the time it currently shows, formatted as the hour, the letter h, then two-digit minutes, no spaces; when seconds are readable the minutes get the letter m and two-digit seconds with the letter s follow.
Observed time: 12h46m01s
